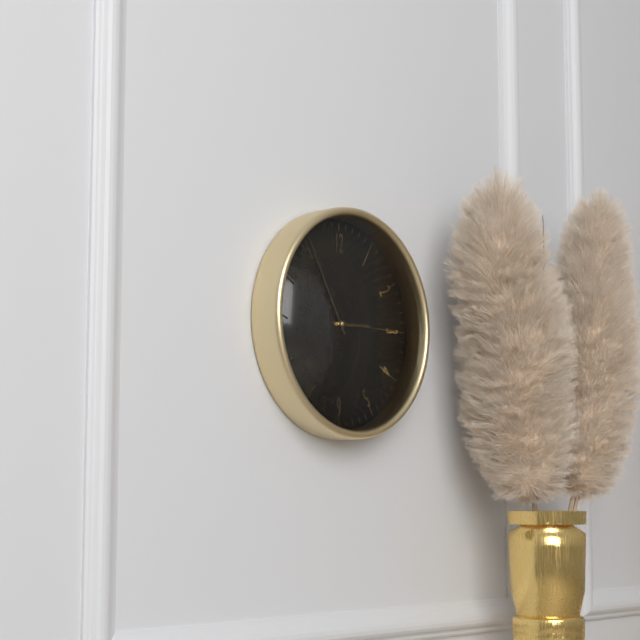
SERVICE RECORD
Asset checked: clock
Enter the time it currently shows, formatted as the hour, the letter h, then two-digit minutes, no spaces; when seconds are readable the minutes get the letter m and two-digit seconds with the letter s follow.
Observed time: 2h55m15s
